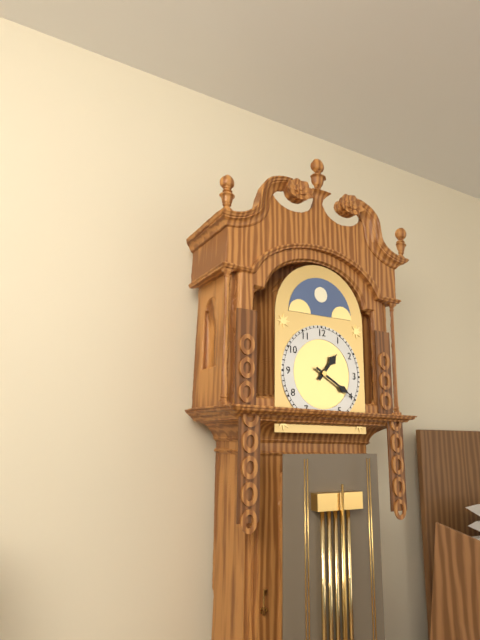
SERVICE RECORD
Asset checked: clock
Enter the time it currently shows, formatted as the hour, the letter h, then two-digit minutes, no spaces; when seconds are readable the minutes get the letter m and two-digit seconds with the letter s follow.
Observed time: 1h20
